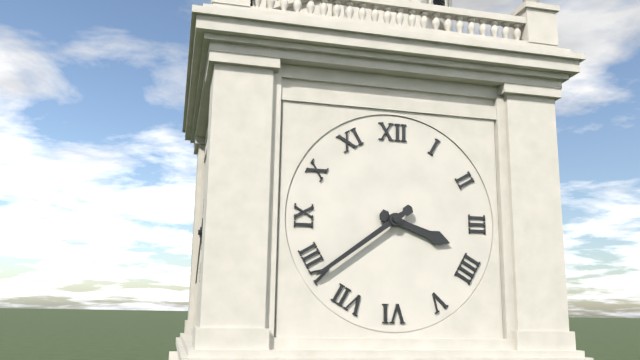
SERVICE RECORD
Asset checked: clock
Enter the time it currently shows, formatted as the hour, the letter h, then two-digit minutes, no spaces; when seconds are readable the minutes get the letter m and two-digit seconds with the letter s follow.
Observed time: 3h39
